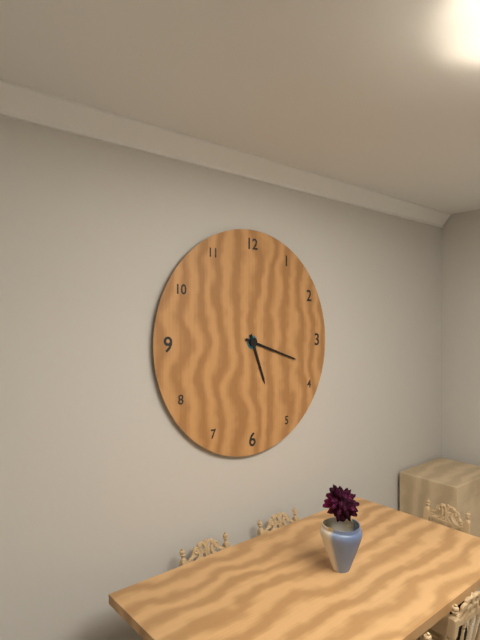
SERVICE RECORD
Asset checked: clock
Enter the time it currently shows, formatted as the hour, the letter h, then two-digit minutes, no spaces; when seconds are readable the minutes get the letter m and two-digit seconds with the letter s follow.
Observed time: 5h18
